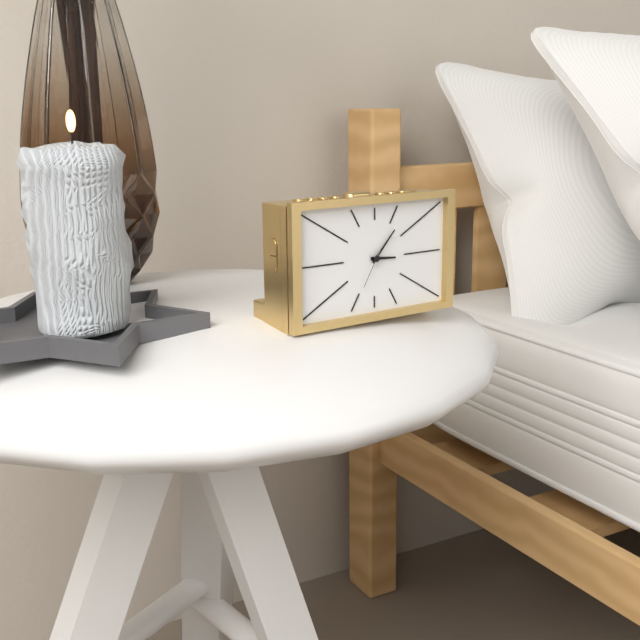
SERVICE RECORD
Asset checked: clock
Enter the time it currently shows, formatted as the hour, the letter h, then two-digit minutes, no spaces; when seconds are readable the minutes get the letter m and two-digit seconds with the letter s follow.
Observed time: 3h07
